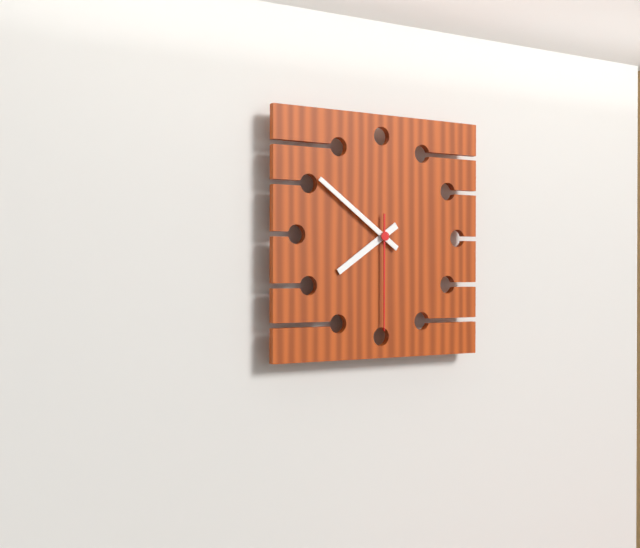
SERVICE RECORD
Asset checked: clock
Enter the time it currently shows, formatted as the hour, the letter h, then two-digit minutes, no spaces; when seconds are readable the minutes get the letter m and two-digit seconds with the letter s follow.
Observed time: 7h51m30s
